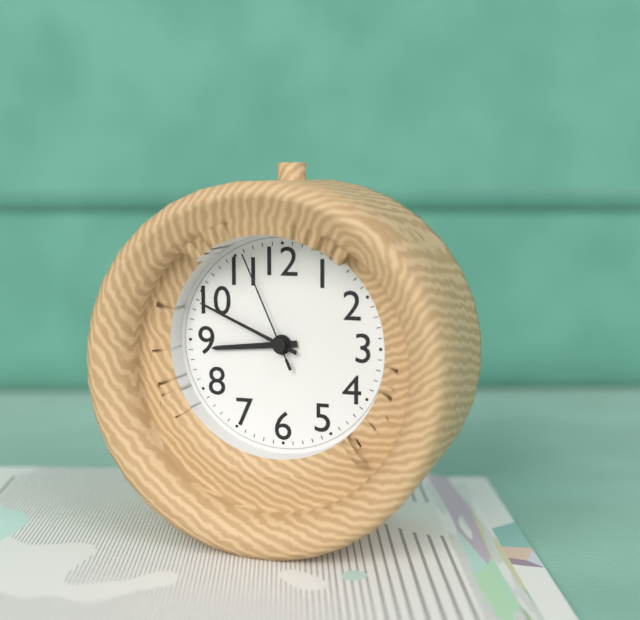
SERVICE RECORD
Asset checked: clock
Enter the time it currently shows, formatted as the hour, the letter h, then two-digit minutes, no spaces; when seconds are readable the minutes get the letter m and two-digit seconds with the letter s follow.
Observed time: 8h49m56s
